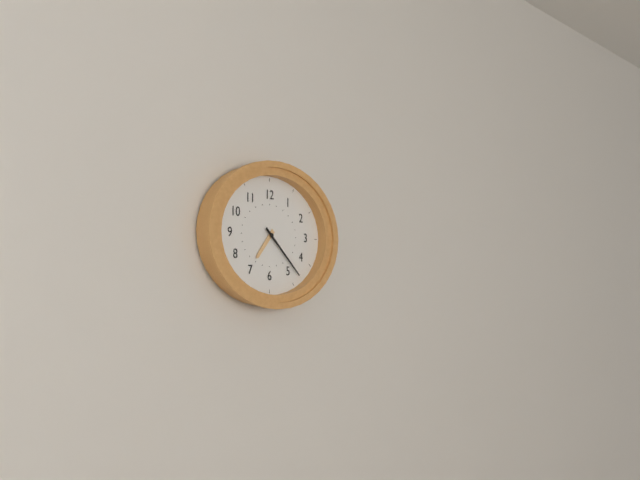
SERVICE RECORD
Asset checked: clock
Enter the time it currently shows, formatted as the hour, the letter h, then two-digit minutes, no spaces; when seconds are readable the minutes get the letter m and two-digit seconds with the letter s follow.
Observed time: 7h22
